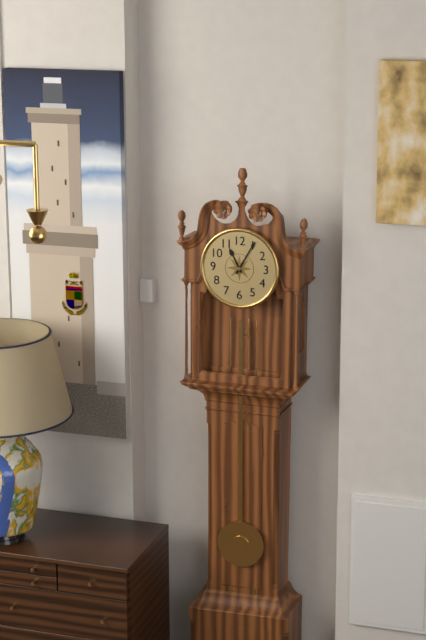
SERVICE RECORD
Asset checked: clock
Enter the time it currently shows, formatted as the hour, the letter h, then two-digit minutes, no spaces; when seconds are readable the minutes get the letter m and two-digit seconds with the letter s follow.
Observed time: 11h05
